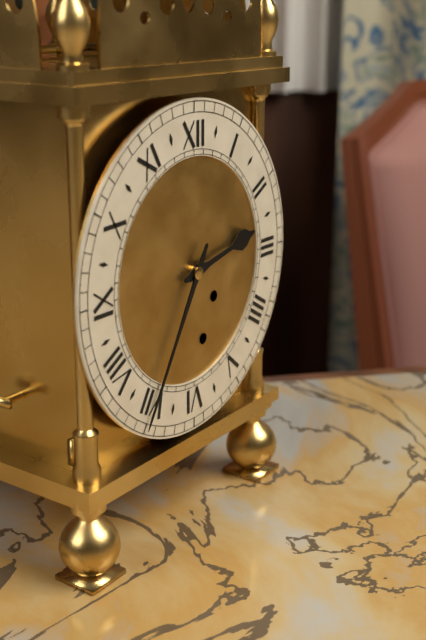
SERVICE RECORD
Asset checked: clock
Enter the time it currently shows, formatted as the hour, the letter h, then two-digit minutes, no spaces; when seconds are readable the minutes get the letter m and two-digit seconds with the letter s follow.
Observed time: 2h35
